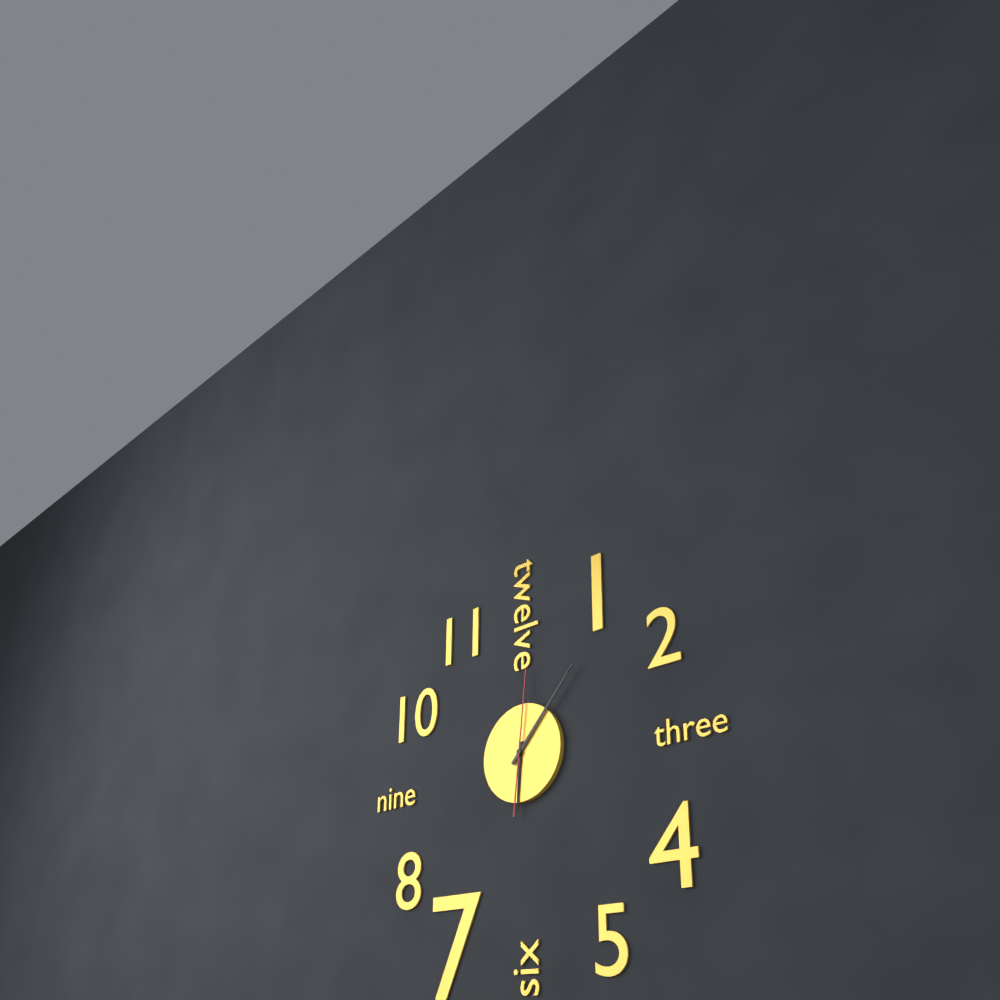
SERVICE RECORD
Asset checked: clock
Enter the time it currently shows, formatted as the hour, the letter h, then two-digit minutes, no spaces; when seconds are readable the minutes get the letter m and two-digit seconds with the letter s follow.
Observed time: 6h07m01s
